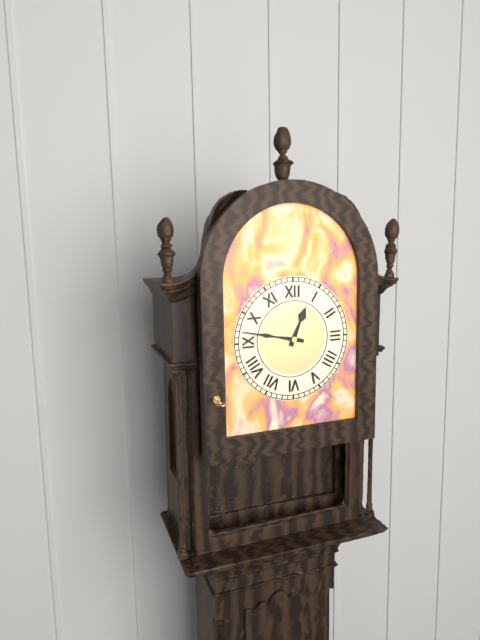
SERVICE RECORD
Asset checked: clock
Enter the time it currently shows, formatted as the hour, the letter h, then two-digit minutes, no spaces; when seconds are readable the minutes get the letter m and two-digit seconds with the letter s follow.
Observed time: 12h47
